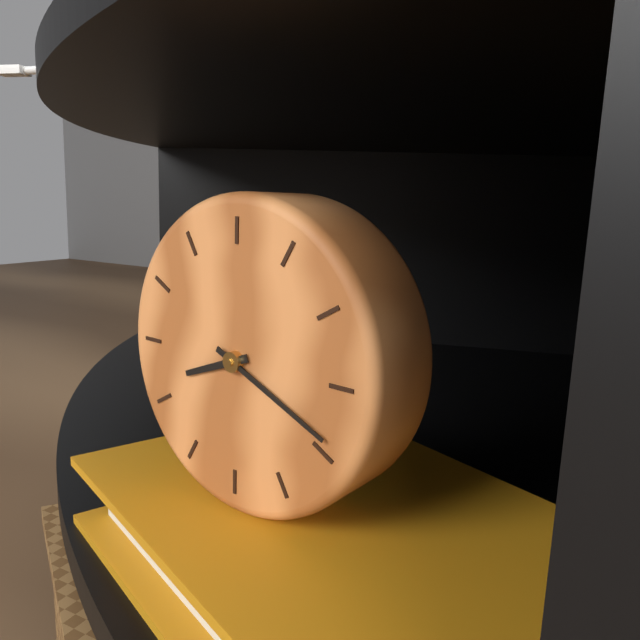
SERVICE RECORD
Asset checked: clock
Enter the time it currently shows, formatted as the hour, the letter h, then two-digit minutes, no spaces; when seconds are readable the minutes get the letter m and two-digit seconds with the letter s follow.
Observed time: 8h19
